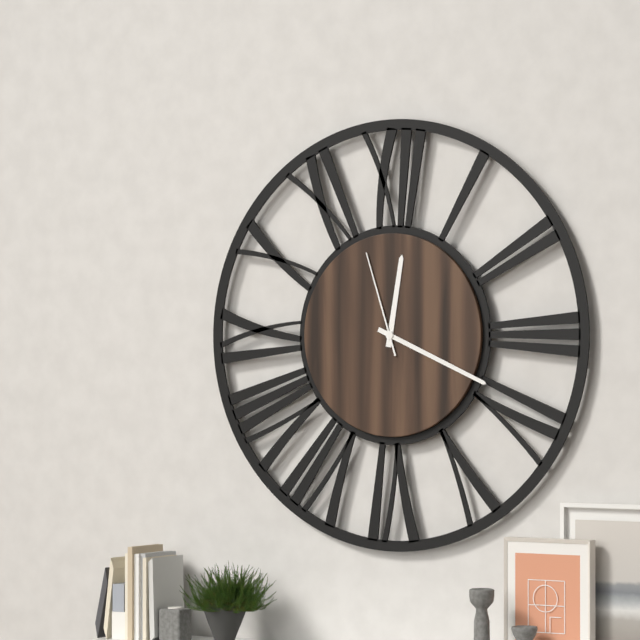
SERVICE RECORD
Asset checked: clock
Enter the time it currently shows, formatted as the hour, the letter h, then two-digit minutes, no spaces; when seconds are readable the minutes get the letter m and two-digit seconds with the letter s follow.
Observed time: 12h19m57s
